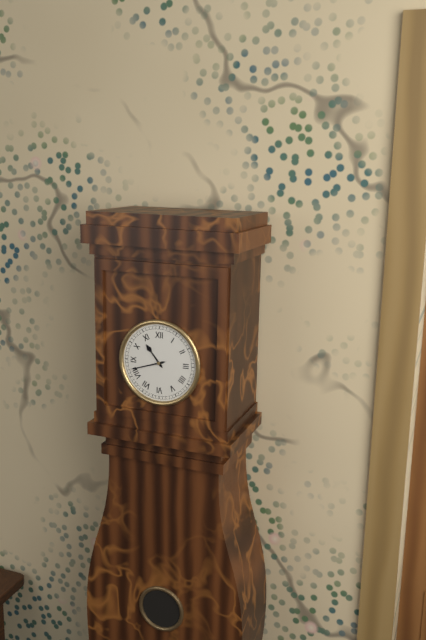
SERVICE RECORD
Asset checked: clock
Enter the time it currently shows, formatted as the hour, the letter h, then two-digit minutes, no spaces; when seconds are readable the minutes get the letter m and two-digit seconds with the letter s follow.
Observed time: 10h42
